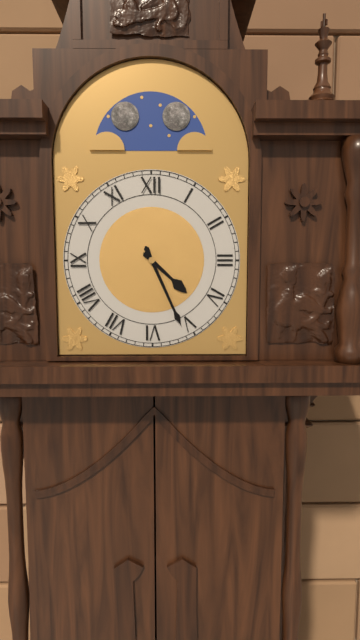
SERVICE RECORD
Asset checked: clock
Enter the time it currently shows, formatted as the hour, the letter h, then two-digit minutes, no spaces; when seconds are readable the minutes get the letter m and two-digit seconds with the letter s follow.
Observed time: 4h26
